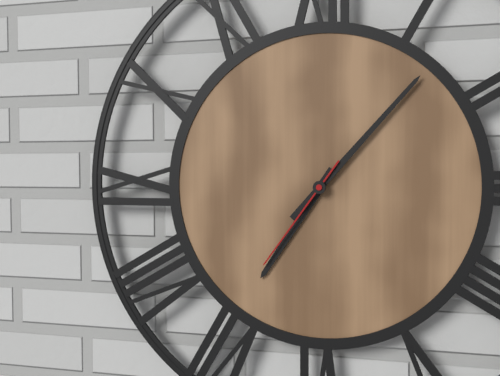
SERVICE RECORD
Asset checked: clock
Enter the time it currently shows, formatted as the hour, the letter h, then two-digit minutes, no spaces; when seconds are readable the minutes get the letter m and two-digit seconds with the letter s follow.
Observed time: 7h07m36s
